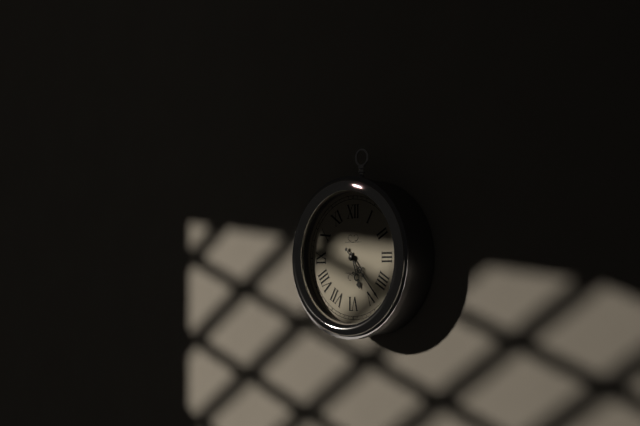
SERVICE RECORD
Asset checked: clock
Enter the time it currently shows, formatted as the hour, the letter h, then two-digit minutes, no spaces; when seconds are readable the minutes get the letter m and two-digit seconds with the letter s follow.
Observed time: 5h23
